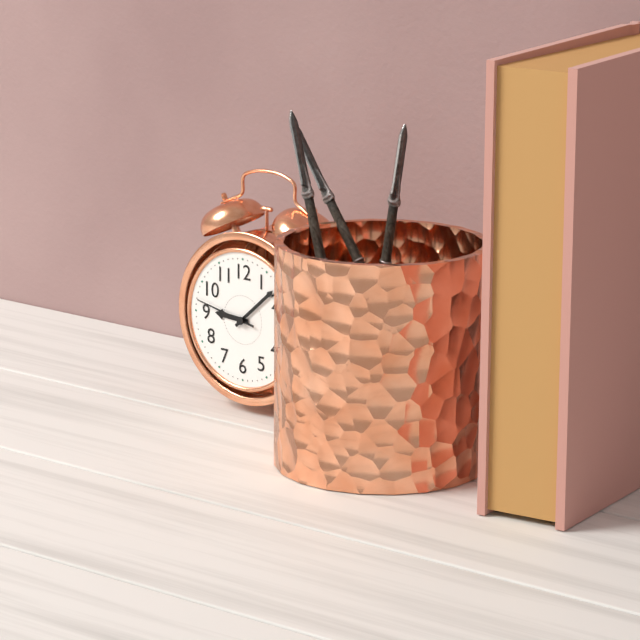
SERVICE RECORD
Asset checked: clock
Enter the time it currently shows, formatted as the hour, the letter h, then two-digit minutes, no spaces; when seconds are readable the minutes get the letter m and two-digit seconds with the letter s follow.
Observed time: 9h08m47s
